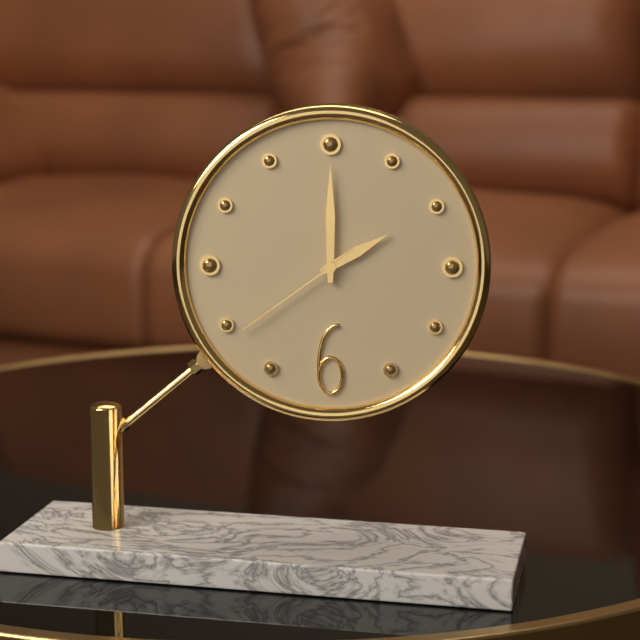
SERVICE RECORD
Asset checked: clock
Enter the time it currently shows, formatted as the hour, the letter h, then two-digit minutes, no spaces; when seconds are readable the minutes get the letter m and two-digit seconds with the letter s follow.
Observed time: 2h00m39s
